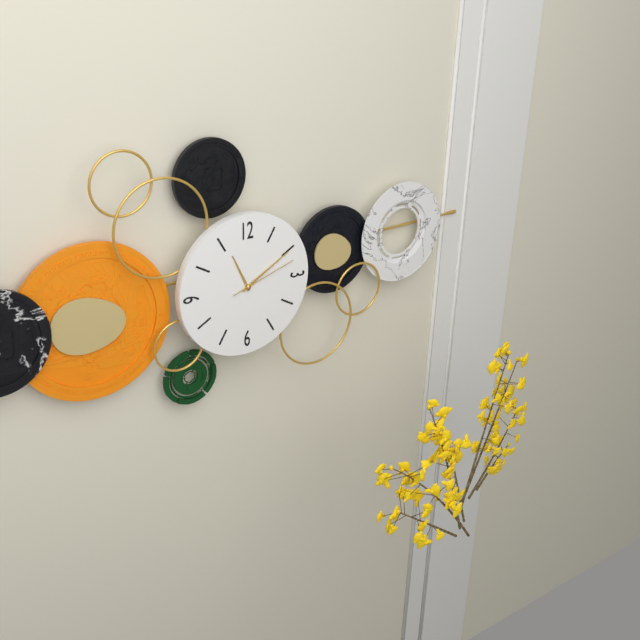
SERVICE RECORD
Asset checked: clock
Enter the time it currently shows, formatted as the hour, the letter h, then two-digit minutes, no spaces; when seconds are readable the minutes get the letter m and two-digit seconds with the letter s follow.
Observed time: 11h10m12s
